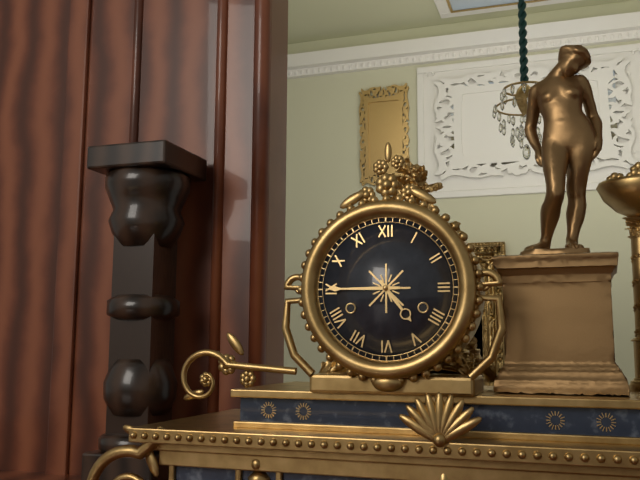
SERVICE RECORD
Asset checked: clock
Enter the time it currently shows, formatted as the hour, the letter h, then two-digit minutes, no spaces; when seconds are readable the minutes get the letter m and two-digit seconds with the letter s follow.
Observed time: 4h45
